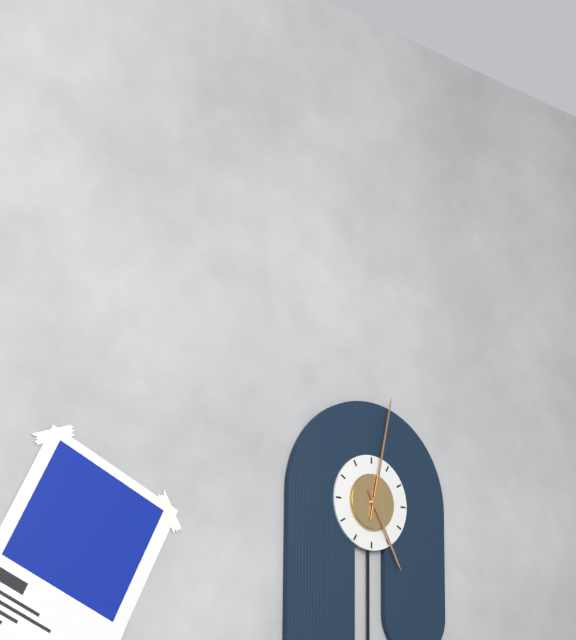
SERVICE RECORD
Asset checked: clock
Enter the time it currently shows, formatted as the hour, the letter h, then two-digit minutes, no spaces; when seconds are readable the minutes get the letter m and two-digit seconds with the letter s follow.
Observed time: 5h02
